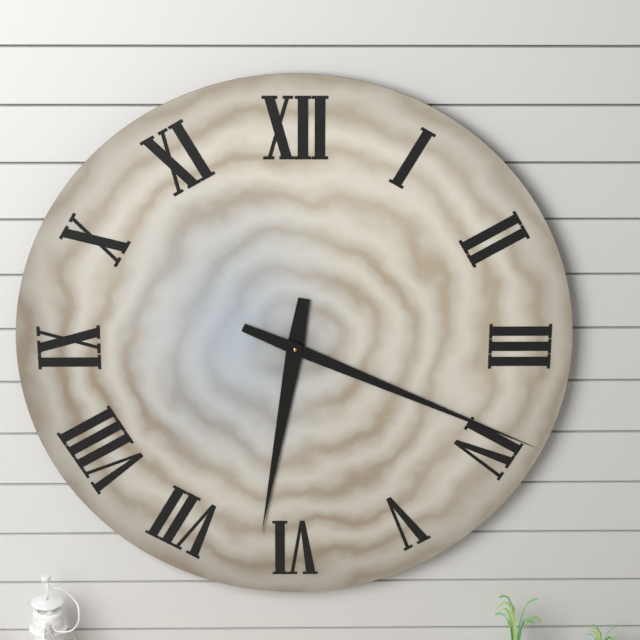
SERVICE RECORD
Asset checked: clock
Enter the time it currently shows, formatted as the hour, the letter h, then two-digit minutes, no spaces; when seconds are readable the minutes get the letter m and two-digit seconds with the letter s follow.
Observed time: 6h19
